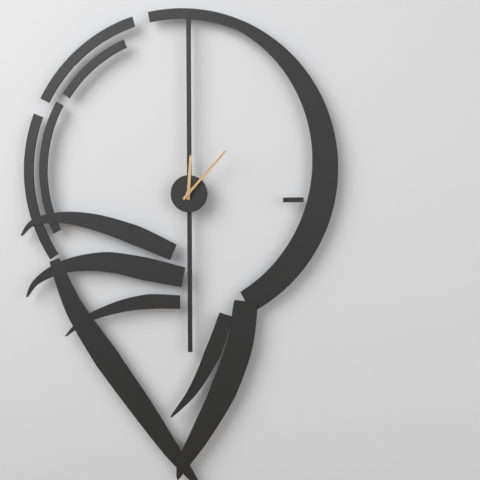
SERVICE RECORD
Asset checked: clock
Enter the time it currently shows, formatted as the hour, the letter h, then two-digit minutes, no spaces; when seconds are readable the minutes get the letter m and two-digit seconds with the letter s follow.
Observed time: 12h07
